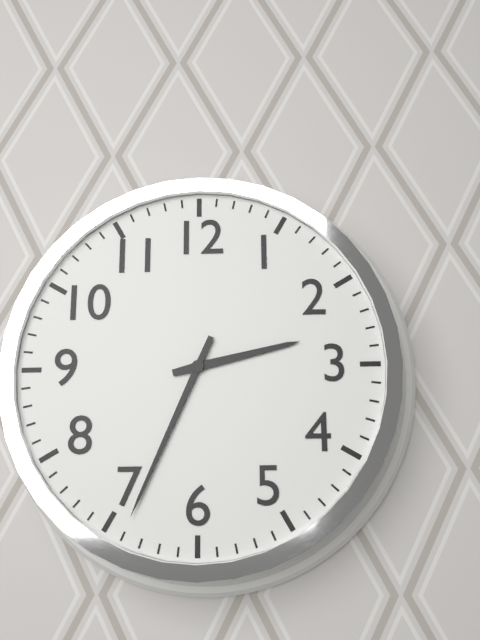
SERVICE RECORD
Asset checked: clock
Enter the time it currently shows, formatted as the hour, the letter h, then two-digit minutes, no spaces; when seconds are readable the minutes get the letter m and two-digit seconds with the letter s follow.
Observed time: 2h34
